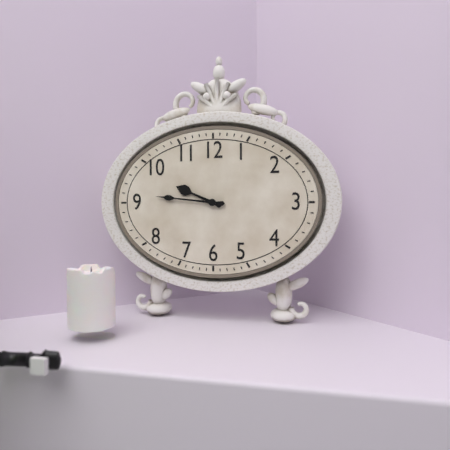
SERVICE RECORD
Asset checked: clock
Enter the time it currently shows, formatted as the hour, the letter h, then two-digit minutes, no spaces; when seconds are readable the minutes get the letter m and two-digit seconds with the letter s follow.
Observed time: 9h46
